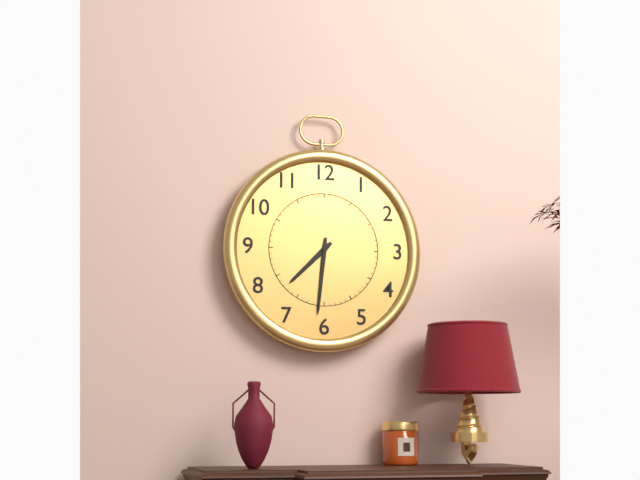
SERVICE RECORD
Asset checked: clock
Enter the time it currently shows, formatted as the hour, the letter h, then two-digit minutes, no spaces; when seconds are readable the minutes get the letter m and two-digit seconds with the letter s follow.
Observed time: 7h31
